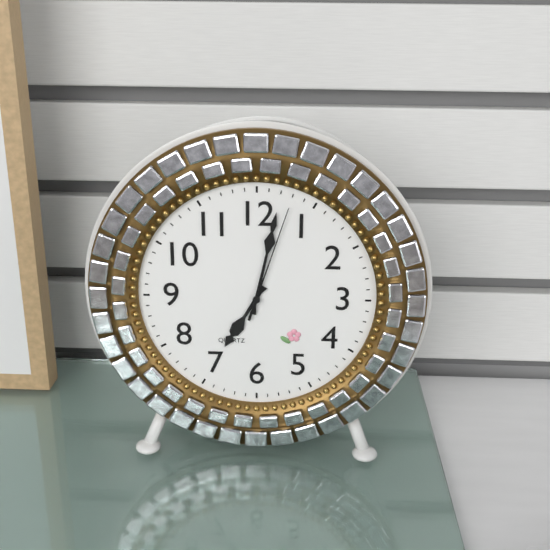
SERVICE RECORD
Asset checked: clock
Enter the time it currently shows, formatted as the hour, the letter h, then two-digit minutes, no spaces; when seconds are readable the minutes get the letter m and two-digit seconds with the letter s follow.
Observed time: 7h02m03s
